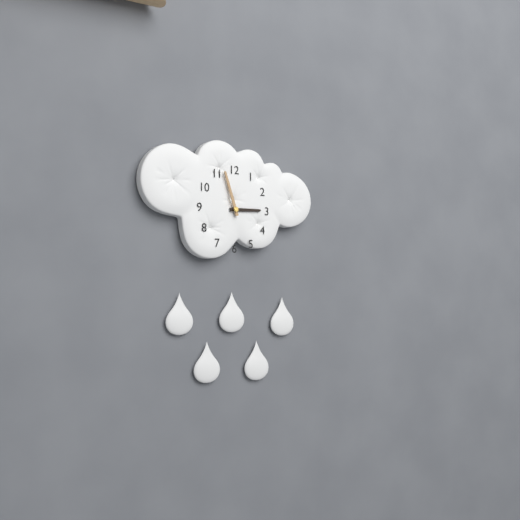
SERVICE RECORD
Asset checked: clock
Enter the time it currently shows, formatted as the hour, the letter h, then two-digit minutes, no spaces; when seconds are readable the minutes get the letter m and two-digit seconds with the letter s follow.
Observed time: 2h57
